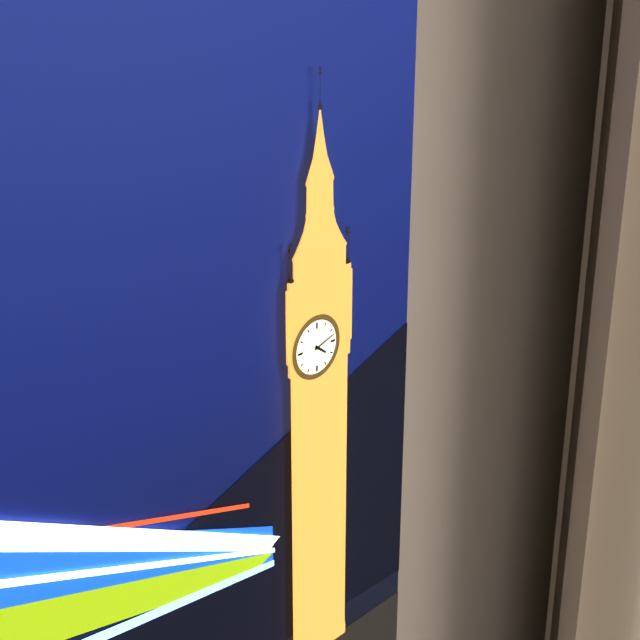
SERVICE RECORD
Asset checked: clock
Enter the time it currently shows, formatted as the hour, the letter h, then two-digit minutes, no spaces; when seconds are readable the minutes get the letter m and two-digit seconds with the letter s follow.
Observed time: 4h12
